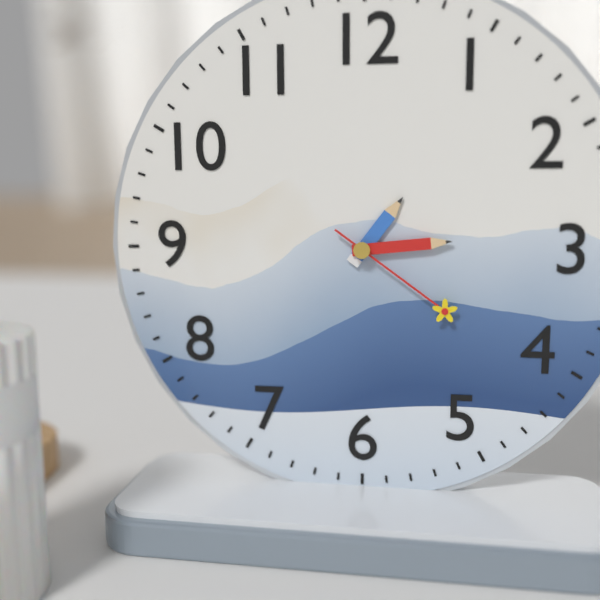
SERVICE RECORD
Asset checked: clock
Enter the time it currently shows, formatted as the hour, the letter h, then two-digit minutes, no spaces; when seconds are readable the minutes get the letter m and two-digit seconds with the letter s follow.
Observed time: 1h14m21s
